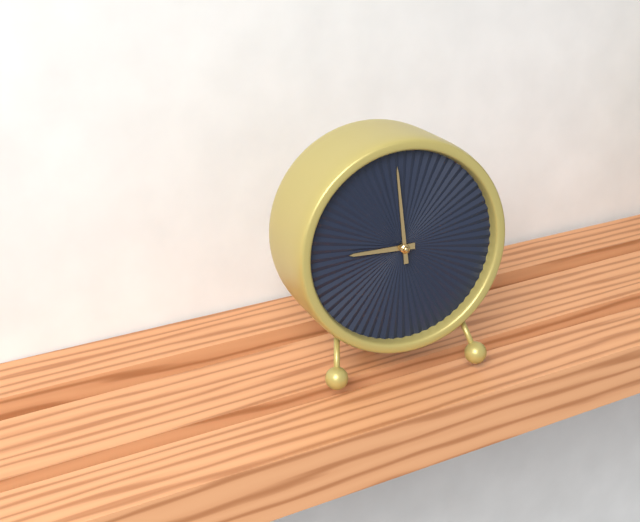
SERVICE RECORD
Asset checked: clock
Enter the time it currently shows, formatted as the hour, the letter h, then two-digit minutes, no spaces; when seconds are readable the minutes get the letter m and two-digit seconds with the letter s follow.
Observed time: 8h59
